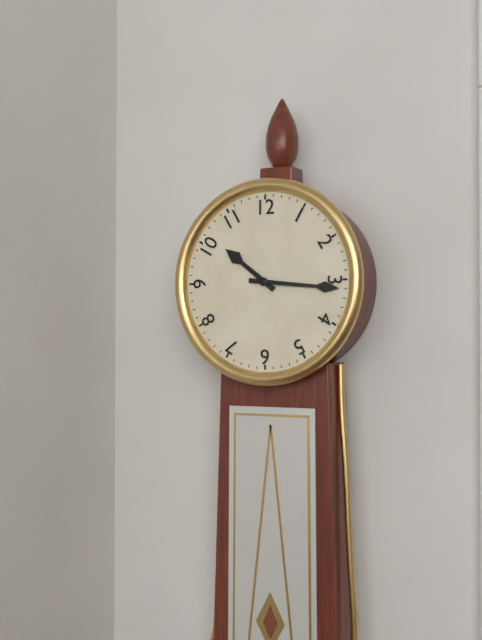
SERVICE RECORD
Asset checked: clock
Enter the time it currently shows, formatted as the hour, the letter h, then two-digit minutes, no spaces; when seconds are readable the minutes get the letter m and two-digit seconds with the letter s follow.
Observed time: 10h16
